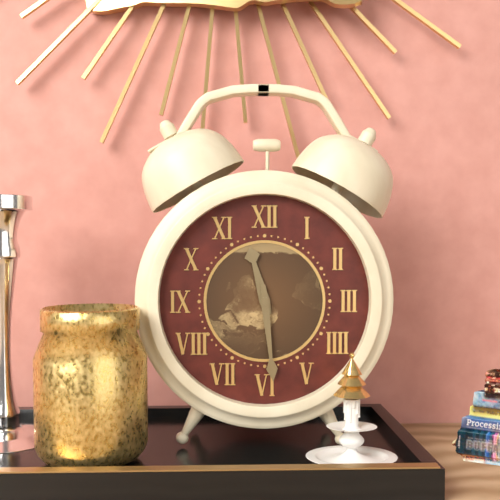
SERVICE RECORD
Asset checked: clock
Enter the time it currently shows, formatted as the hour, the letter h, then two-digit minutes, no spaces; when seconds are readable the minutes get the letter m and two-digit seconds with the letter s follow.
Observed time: 11h29
